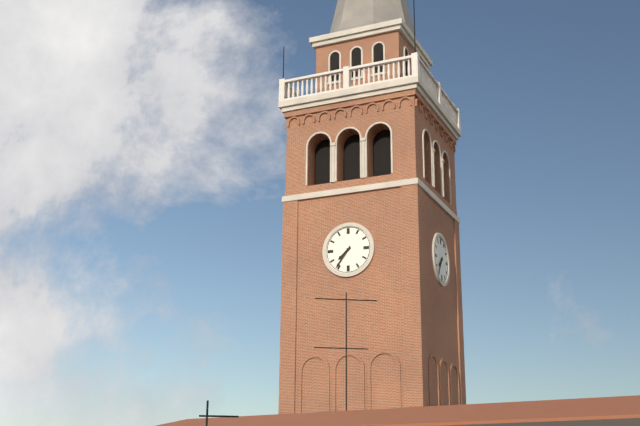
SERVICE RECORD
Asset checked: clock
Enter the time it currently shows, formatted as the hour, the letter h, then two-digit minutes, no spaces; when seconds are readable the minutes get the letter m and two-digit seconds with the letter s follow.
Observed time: 7h36
